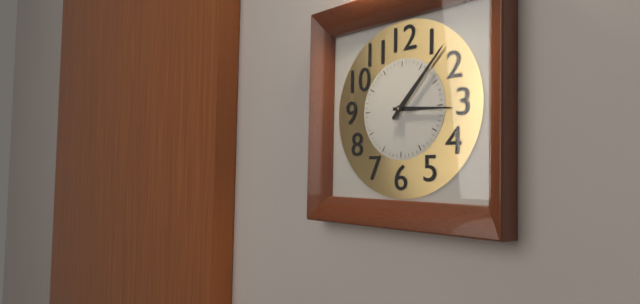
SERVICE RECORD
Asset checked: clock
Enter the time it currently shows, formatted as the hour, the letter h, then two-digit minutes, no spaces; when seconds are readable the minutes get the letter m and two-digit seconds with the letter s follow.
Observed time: 3h07
